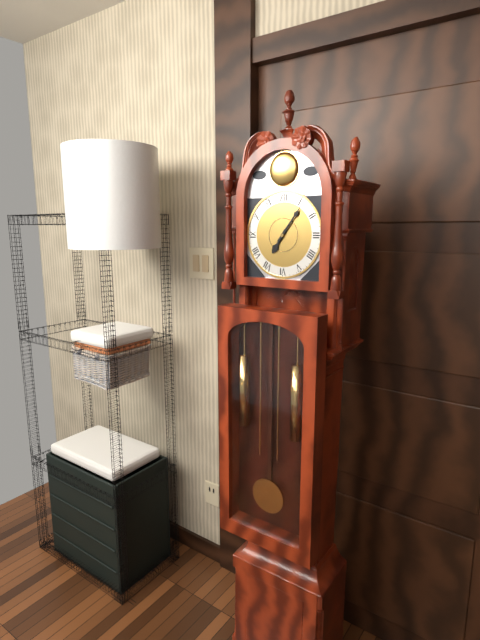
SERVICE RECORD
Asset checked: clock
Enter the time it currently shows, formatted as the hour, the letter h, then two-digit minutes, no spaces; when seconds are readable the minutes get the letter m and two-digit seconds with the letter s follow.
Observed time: 7h06
